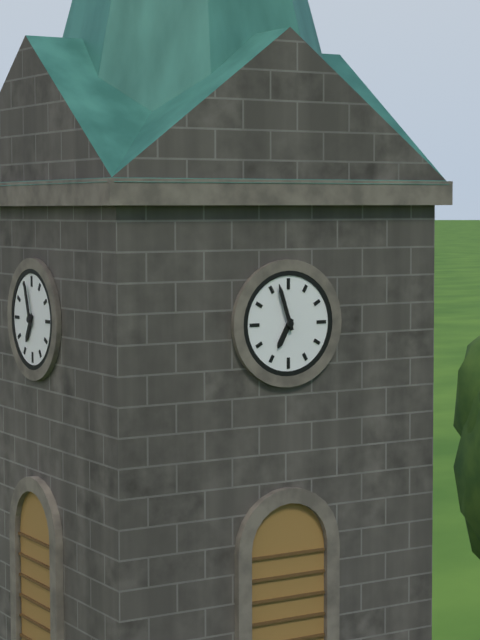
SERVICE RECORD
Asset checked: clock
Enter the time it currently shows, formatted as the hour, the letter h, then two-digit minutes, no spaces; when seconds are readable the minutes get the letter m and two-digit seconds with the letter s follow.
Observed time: 6h57
